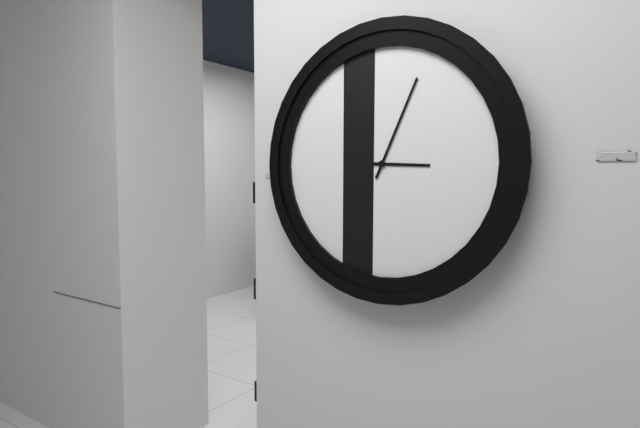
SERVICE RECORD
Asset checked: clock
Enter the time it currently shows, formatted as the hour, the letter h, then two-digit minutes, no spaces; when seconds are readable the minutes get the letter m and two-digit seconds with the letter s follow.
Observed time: 3h04
